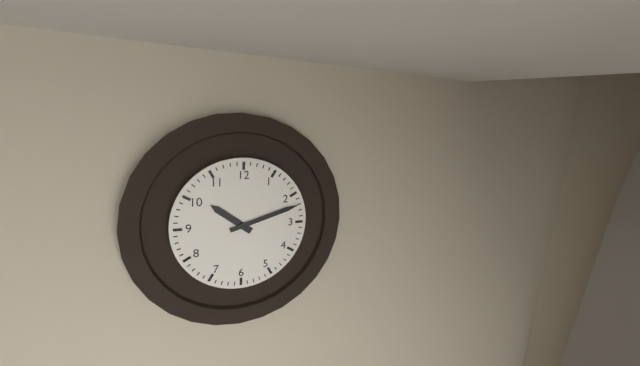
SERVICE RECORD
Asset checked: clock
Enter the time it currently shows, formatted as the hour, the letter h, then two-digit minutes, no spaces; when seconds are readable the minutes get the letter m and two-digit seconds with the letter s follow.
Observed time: 10h12
